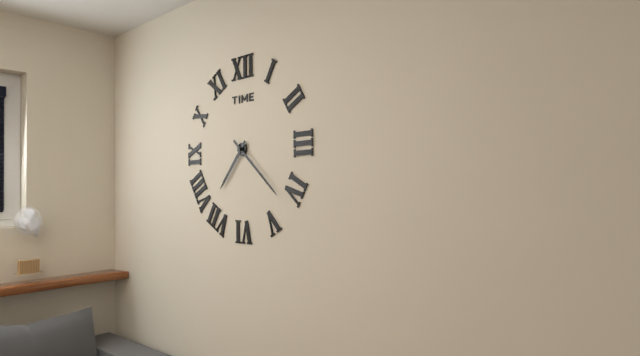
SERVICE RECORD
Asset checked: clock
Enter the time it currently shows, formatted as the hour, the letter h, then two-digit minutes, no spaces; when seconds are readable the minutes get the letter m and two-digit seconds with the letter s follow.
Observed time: 7h22
